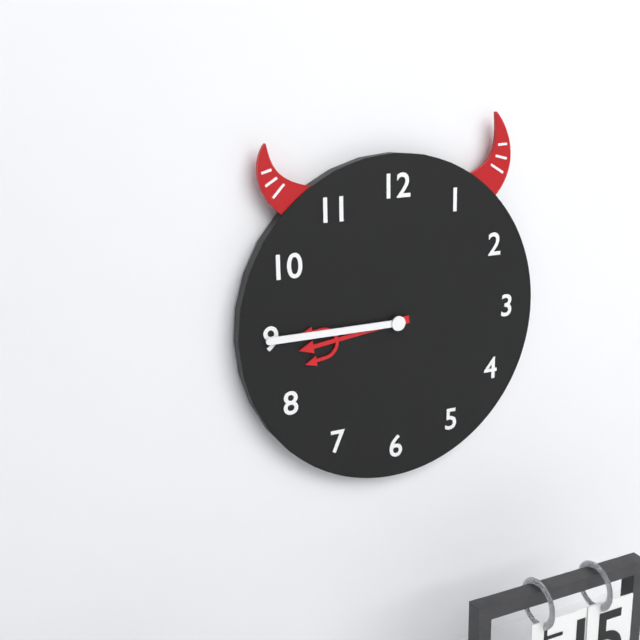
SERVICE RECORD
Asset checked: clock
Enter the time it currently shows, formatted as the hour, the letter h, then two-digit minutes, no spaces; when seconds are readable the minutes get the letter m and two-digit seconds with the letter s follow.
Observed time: 8h45
